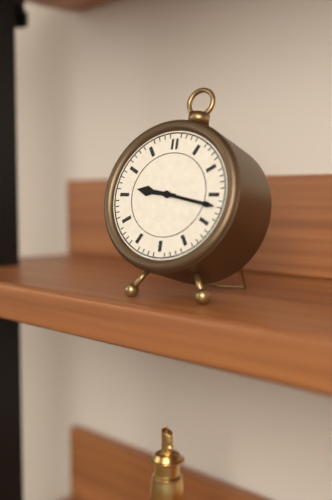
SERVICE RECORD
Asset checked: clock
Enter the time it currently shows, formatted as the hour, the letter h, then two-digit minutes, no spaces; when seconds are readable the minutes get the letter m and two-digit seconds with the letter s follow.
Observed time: 9h17
